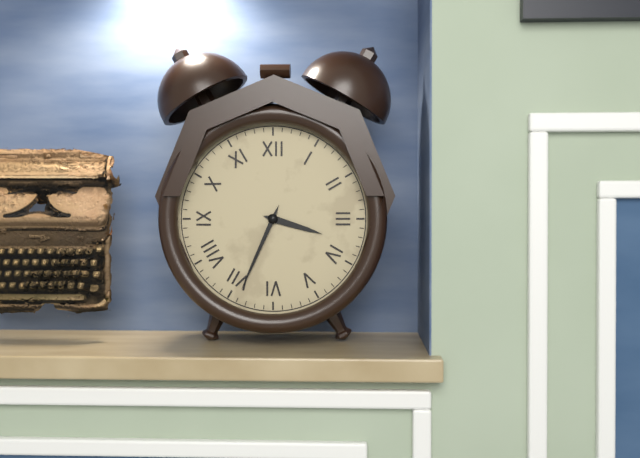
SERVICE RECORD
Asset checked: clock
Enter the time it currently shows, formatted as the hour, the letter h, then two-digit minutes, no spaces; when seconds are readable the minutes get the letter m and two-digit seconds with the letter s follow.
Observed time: 3h34
